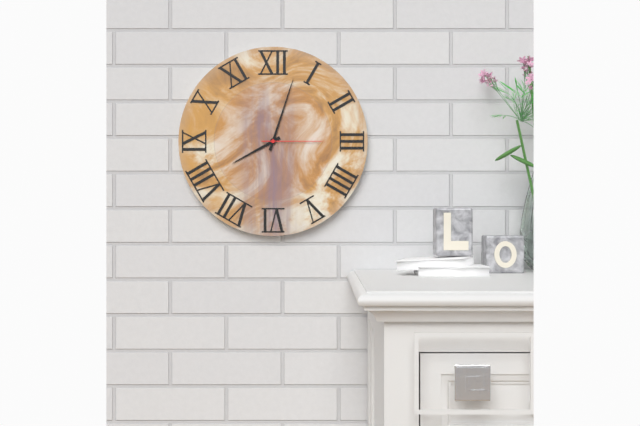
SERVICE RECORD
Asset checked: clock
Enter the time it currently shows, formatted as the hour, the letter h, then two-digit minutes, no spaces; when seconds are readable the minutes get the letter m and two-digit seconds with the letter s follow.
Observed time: 8h03m15s
